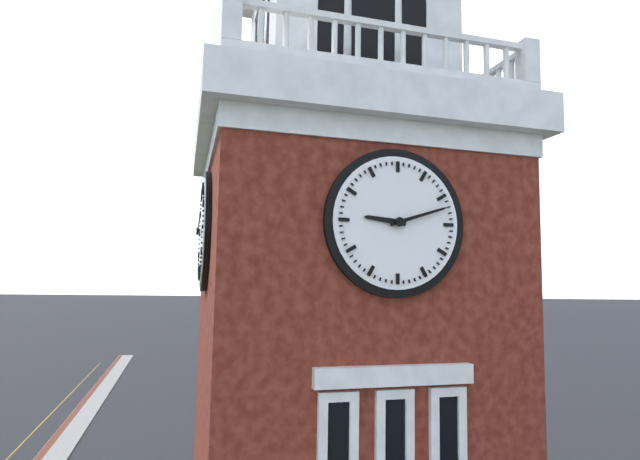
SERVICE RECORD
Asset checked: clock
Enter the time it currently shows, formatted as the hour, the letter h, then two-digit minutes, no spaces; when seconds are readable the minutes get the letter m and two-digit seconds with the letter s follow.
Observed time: 9h12
